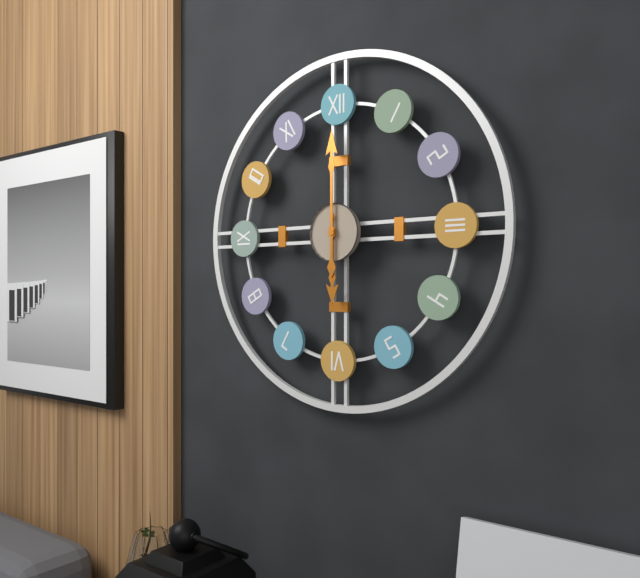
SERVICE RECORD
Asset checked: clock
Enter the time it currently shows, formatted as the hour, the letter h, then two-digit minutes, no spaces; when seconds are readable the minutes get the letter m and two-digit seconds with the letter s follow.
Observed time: 6h00
